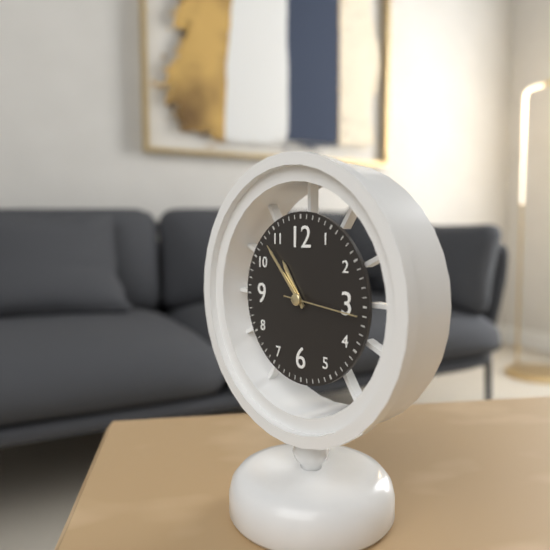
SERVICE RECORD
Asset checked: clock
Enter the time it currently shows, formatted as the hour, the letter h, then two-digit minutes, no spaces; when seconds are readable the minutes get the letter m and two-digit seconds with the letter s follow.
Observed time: 10h53m16s
